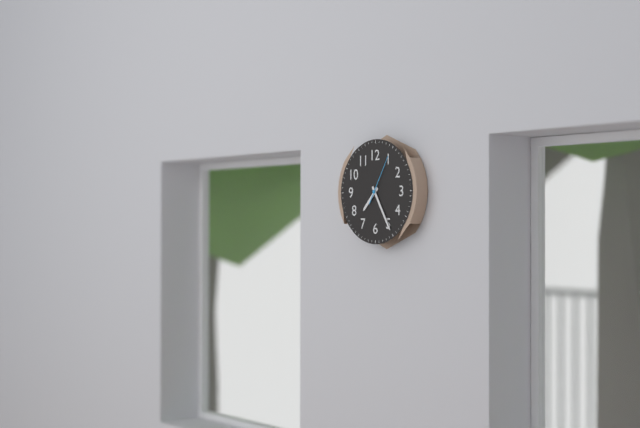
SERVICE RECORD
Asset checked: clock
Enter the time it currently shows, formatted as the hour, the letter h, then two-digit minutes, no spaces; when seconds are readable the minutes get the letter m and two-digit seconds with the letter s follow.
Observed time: 7h25
